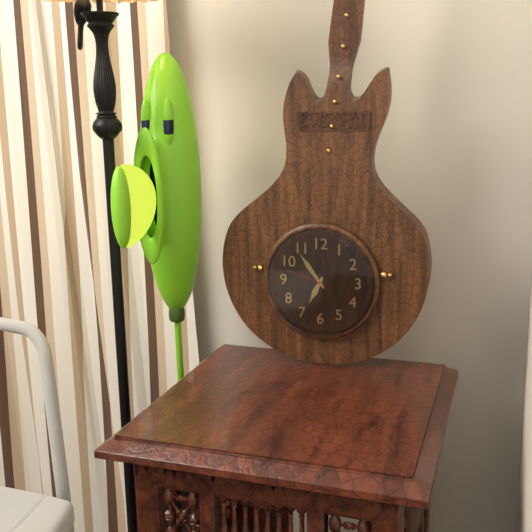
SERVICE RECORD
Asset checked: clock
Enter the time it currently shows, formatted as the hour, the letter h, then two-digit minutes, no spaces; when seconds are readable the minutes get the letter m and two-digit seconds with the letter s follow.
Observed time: 6h54
